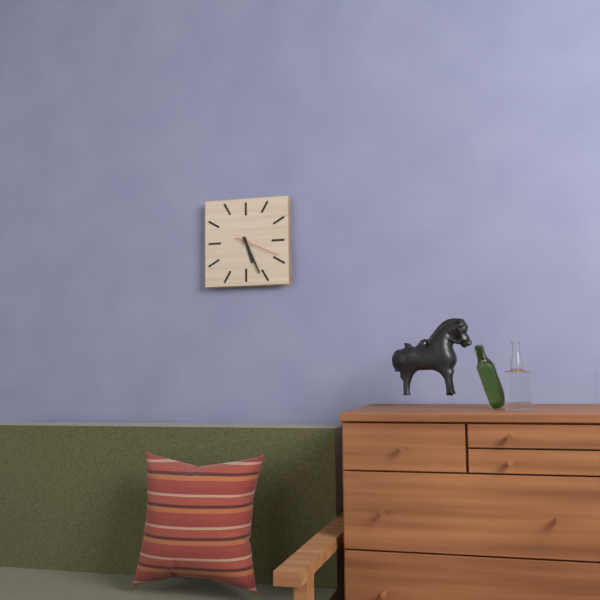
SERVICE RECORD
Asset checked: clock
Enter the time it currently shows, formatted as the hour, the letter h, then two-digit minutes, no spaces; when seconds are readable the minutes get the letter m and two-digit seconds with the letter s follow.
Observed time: 5h26
